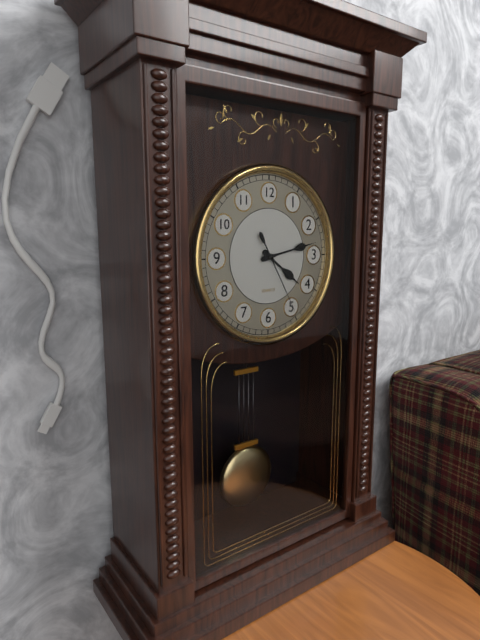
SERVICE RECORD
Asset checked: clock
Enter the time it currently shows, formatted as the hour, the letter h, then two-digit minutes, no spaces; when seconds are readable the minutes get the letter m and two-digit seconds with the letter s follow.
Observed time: 4h13m25s
